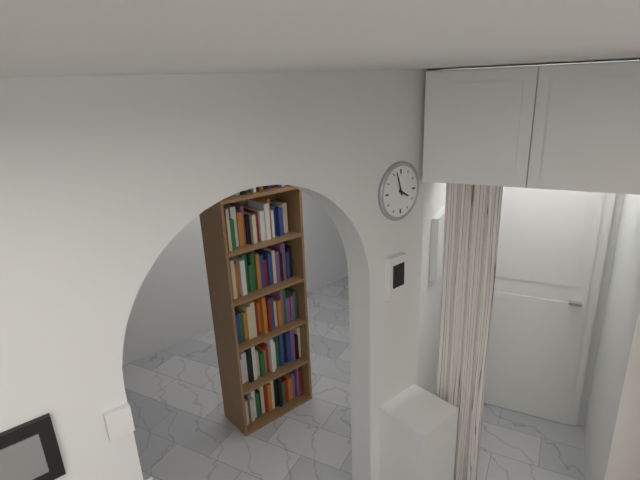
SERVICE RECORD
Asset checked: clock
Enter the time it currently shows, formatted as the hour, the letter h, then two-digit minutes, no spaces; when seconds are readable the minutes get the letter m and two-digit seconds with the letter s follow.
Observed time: 3h57
